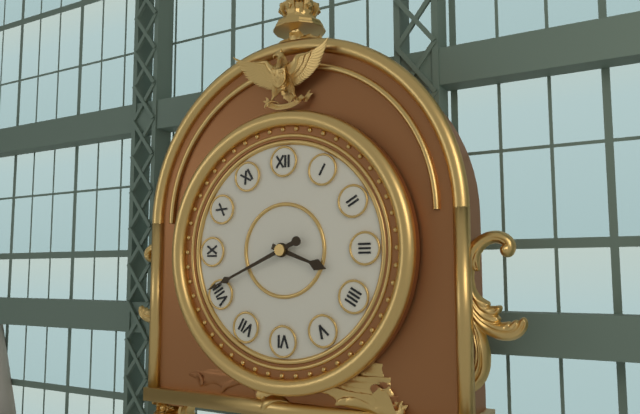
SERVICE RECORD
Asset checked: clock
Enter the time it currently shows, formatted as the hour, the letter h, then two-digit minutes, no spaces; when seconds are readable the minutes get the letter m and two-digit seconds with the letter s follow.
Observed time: 3h41
